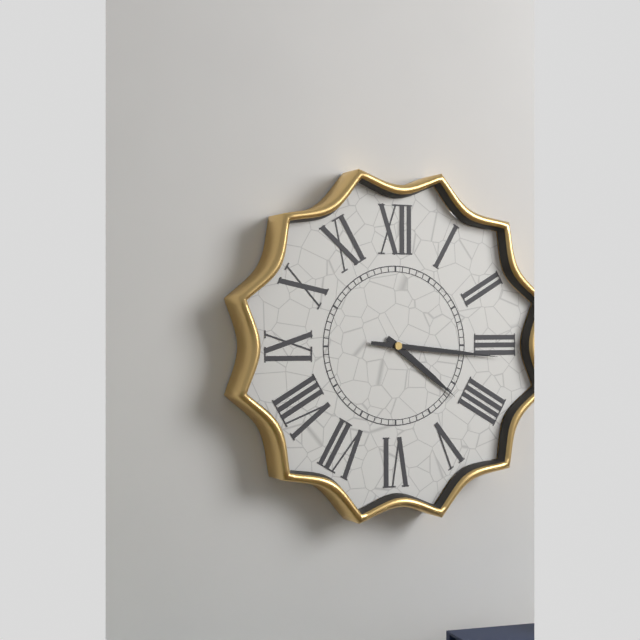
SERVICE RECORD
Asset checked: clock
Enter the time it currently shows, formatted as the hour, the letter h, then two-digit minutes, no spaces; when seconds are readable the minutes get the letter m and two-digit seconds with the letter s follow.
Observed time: 4h16
